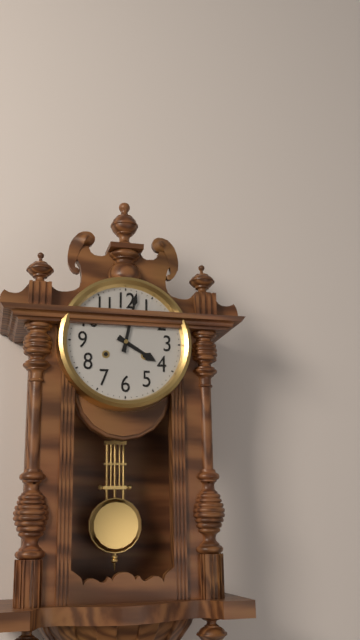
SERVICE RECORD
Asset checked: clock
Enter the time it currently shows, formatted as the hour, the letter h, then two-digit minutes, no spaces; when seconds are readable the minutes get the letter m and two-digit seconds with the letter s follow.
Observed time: 4h02
